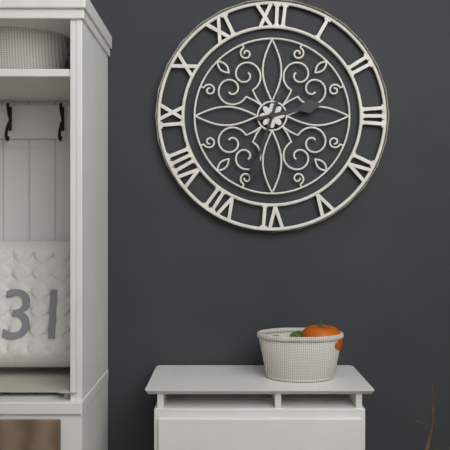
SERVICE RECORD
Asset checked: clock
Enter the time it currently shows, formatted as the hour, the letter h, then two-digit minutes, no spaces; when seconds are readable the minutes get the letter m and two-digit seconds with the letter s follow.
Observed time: 2h33
